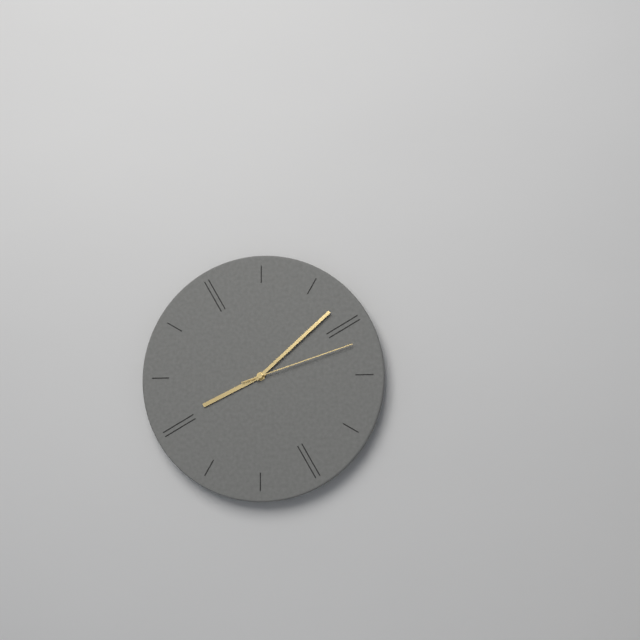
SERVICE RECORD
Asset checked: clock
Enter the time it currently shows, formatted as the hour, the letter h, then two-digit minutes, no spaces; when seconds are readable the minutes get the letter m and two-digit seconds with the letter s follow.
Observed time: 8h08m12s
